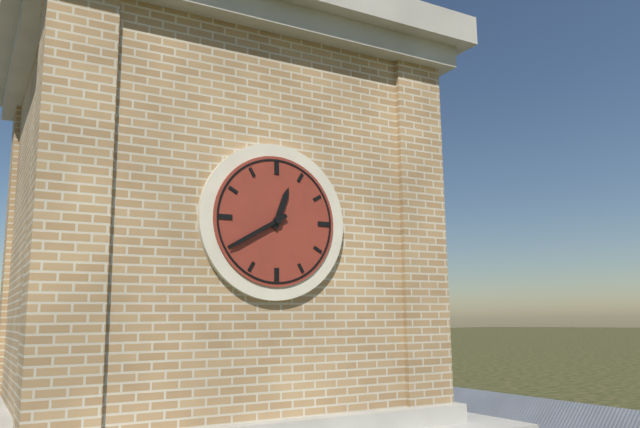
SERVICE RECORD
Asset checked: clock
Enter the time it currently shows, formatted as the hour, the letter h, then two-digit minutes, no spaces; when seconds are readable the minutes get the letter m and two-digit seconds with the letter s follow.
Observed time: 12h40
